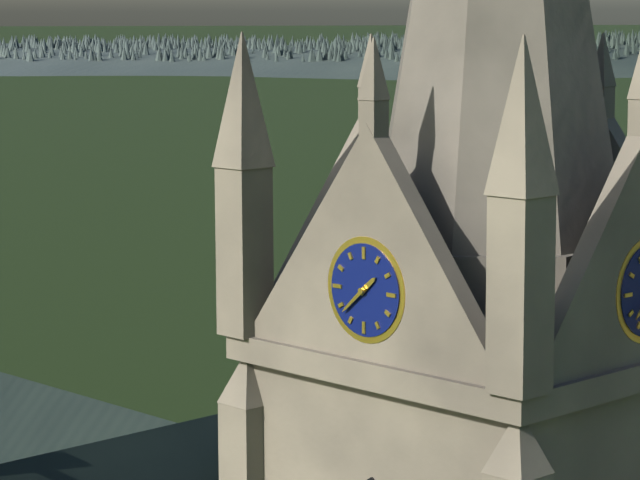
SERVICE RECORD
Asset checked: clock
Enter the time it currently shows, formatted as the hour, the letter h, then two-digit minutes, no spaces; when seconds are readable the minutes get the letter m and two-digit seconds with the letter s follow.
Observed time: 1h38
